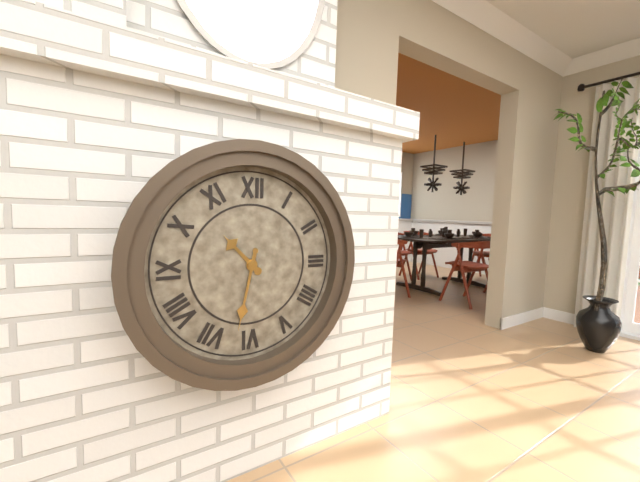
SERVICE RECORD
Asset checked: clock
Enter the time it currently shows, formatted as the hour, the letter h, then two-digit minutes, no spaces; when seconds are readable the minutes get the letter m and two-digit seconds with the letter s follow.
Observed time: 10h32
